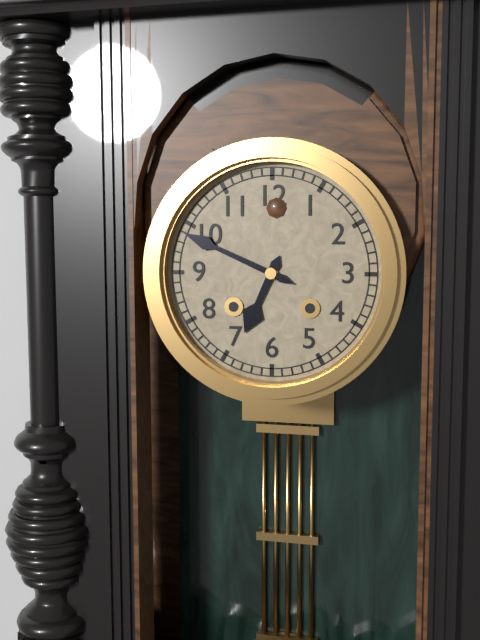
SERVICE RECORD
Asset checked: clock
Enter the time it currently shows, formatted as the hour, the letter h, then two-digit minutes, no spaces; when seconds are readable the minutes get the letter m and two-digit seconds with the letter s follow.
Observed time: 6h49
